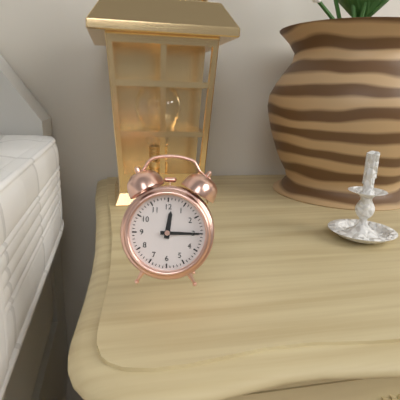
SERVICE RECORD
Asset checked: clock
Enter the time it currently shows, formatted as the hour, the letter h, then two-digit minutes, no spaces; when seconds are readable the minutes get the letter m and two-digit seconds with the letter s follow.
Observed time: 12h15
